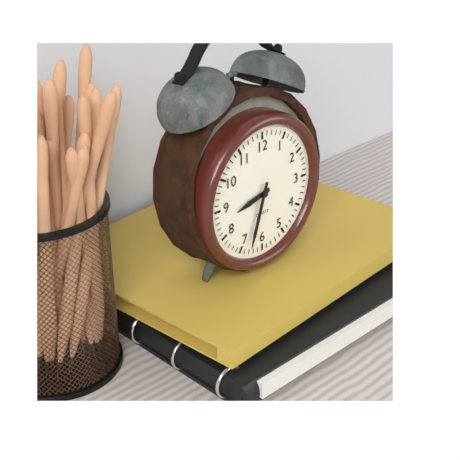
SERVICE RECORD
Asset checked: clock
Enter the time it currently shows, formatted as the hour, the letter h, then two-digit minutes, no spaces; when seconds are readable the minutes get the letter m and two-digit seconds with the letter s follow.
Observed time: 8h33
